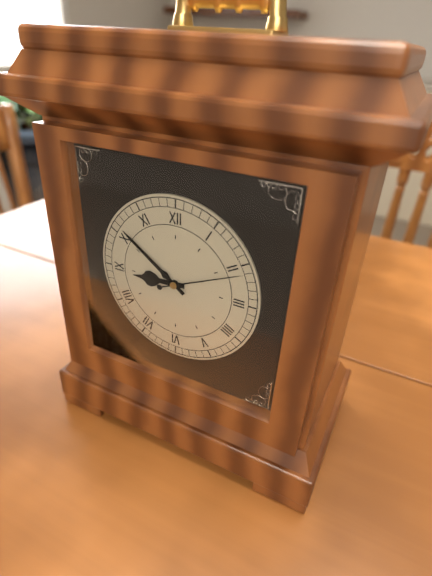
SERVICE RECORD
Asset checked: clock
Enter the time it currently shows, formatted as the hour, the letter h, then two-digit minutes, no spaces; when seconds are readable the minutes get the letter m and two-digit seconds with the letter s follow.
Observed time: 8h51m11s
